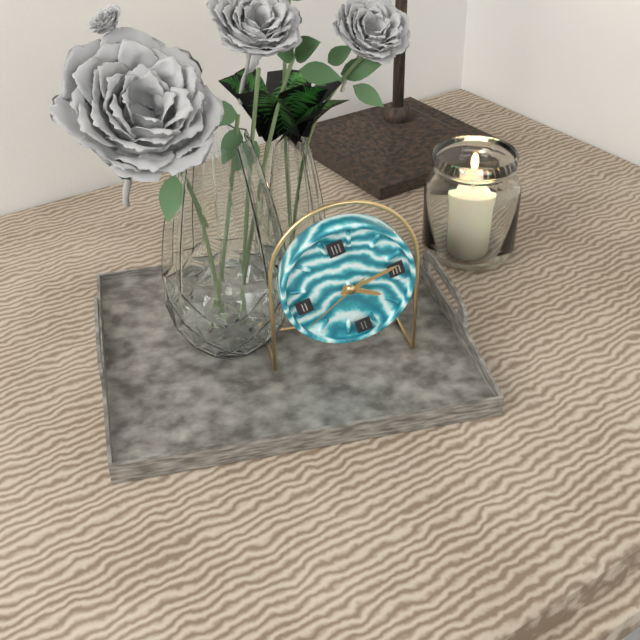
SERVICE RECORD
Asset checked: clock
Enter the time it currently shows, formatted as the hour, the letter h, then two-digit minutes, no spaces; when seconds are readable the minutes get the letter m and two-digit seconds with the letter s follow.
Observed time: 4h14m41s
